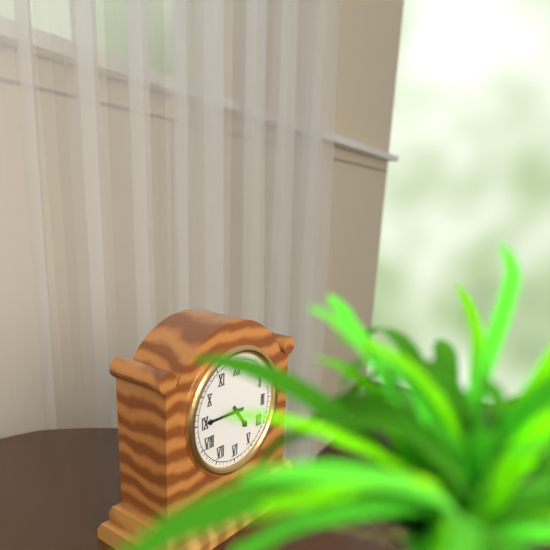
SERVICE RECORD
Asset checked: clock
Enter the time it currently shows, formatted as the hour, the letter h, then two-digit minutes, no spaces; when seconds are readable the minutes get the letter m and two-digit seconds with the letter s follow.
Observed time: 4h45
